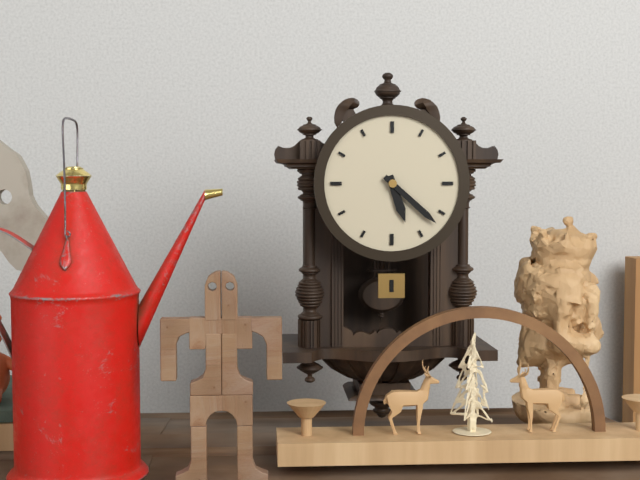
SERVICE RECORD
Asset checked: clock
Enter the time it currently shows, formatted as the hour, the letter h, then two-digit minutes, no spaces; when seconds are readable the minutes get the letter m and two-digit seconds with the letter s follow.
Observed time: 5h22
